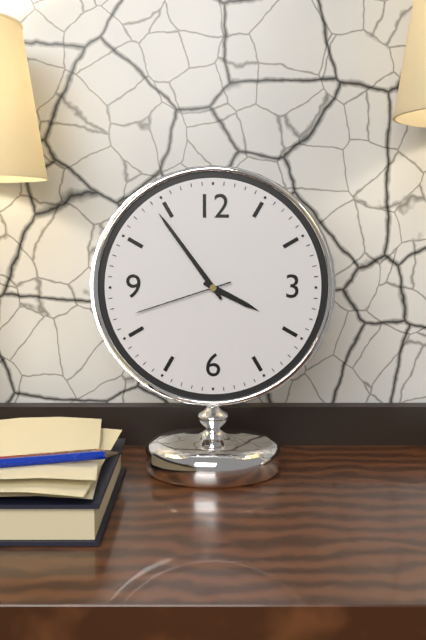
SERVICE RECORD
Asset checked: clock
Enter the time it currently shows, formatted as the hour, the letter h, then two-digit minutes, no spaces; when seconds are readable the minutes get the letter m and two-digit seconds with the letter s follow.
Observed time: 3h54m42s
